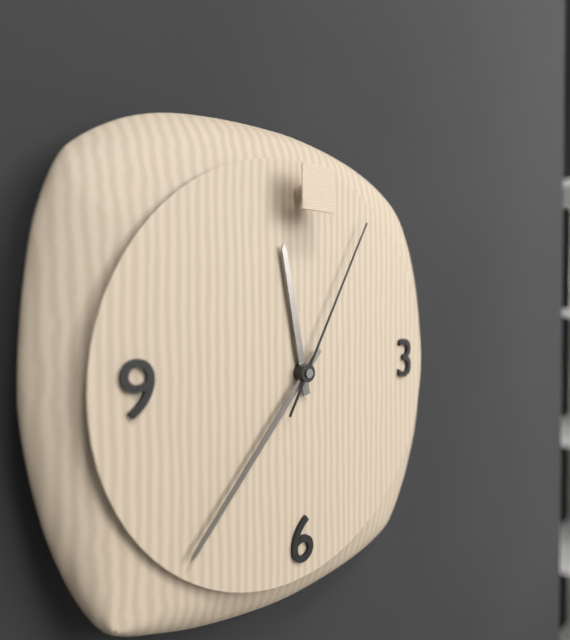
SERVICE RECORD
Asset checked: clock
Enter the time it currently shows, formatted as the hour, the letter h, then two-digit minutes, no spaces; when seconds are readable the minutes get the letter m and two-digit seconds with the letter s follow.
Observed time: 11h37m05s
